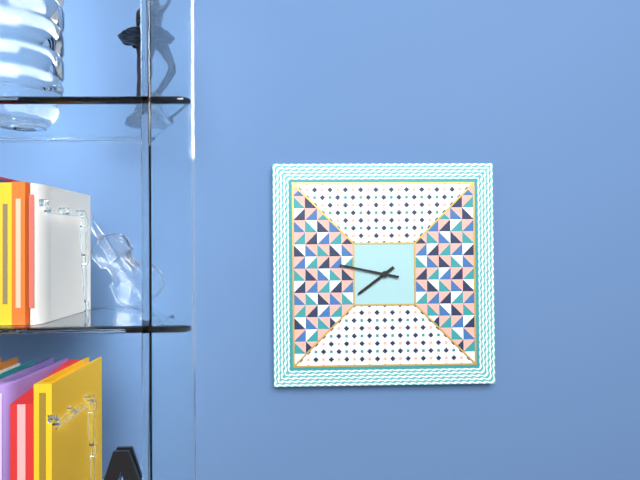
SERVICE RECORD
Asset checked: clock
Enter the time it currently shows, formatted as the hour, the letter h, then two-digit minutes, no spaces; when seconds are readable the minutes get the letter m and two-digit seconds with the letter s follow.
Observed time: 7h47
